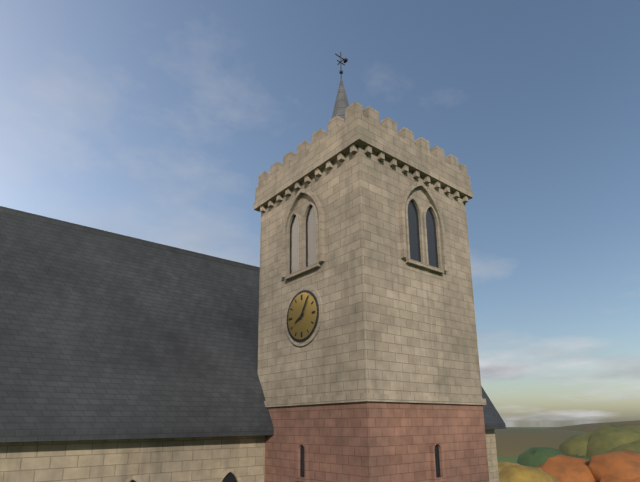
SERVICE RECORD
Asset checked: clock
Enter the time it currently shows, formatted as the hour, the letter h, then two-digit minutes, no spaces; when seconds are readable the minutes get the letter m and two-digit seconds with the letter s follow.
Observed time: 8h05
